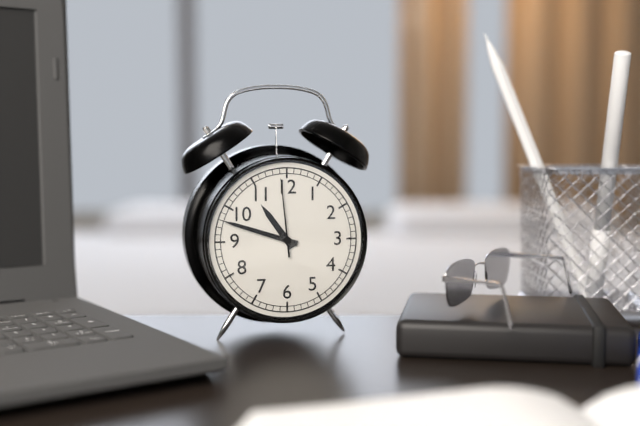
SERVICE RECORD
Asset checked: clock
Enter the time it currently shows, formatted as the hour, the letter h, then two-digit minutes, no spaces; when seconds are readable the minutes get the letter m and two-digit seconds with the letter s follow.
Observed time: 10h48m59s
